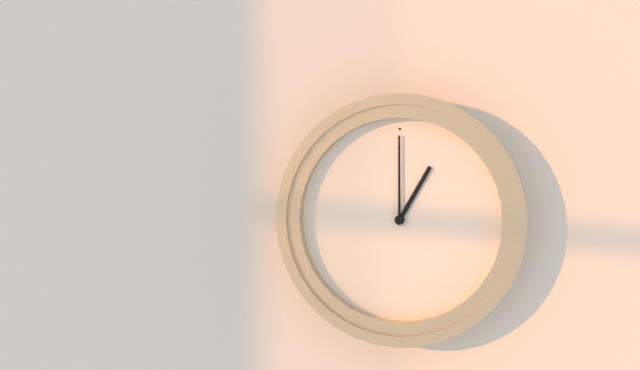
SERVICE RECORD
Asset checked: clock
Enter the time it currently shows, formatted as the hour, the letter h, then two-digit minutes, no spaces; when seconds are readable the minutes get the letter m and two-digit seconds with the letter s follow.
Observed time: 1h00
